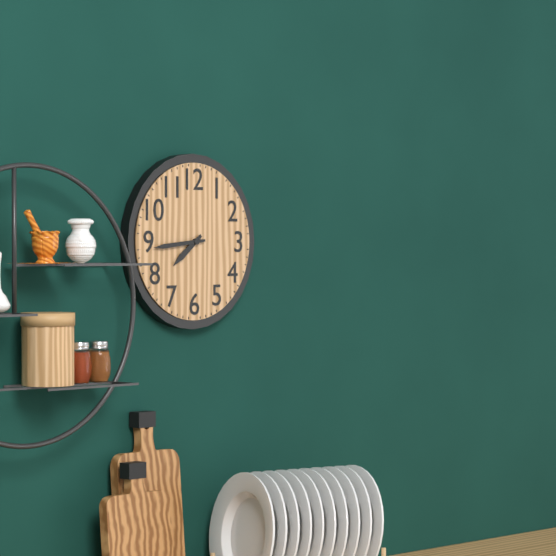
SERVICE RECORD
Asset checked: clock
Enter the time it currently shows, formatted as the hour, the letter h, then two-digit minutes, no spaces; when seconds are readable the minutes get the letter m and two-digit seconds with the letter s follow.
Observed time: 7h44
